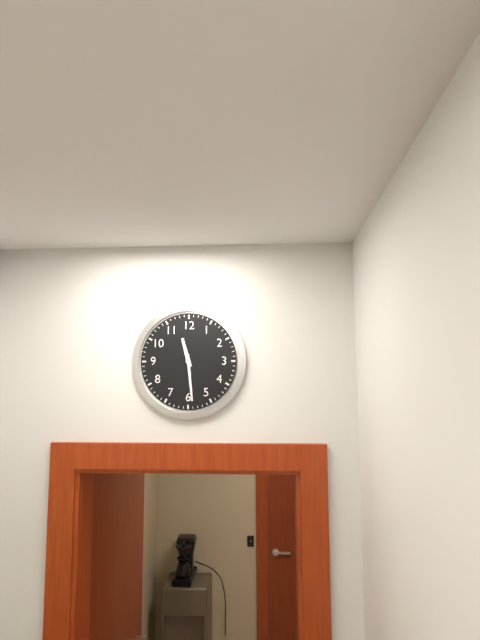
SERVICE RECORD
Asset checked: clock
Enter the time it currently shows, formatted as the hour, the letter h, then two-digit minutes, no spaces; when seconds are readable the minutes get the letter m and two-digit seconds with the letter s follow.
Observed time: 11h29
